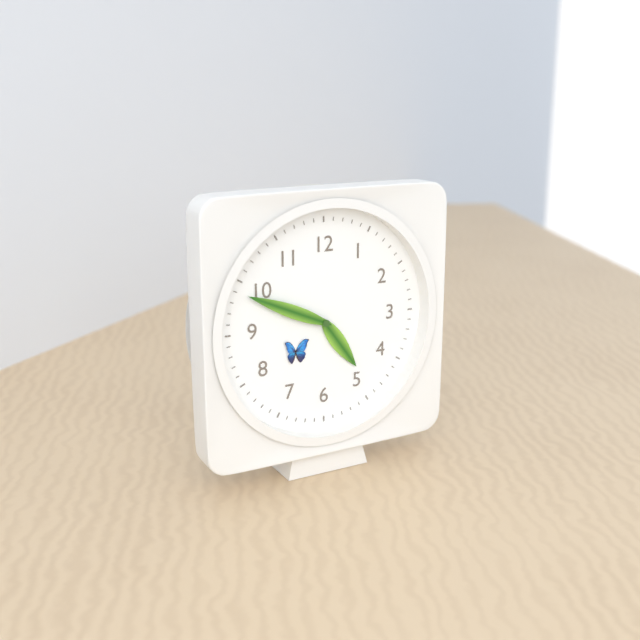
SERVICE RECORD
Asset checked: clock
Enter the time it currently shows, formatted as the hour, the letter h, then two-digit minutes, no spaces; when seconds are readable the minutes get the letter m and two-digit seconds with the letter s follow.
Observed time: 4h49
